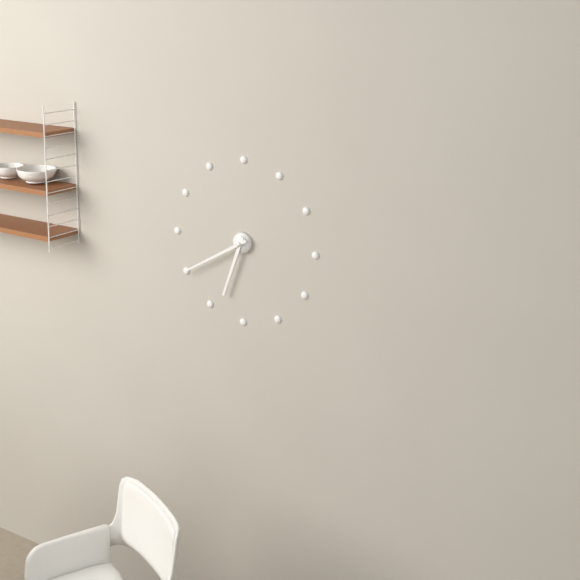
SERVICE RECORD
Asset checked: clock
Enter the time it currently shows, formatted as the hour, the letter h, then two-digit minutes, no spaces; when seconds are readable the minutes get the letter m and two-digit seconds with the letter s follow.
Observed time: 6h40
